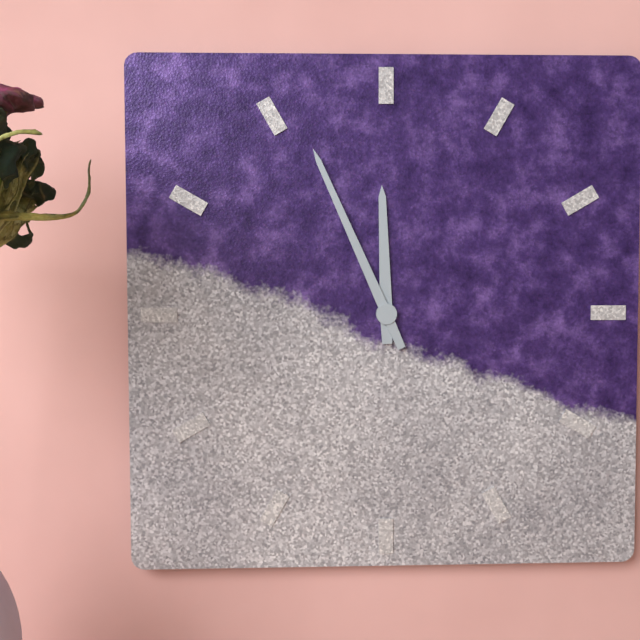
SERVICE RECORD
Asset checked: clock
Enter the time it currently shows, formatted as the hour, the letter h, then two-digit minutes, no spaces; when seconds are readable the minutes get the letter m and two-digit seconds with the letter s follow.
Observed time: 11h56
